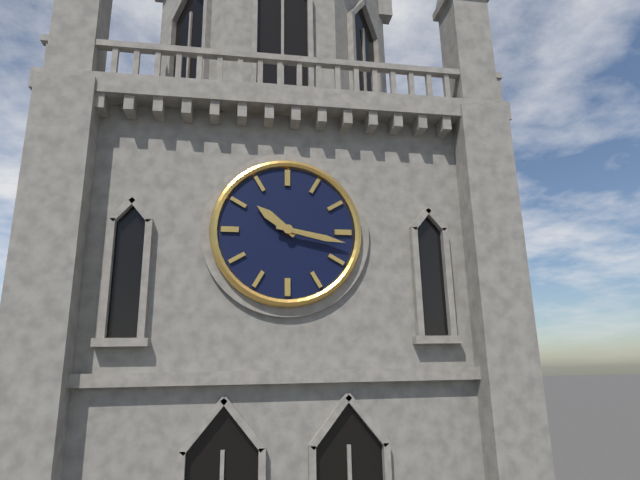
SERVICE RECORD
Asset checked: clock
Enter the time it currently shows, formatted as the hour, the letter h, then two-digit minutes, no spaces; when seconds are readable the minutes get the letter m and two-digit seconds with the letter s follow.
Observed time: 10h17
